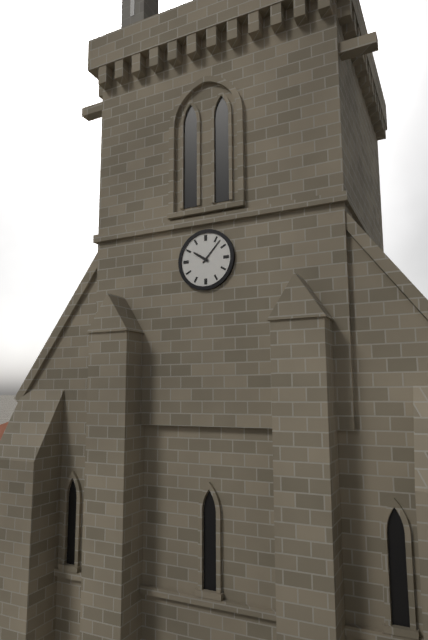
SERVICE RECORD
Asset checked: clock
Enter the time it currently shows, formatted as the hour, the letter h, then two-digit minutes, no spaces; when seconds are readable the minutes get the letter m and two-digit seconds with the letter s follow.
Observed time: 10h07
